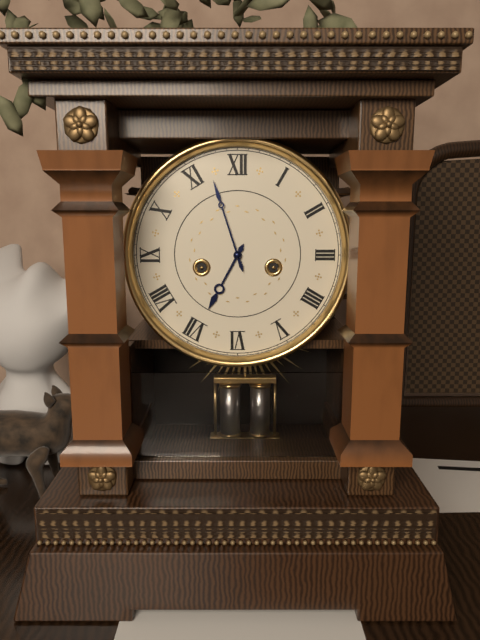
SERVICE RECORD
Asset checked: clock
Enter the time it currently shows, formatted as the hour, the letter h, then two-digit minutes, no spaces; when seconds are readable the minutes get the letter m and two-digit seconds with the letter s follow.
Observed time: 6h57
